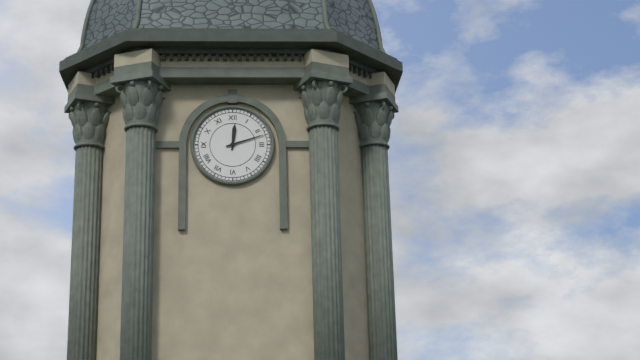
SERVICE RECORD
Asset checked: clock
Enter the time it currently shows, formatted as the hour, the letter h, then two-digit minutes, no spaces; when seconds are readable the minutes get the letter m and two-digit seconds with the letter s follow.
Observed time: 12h12
